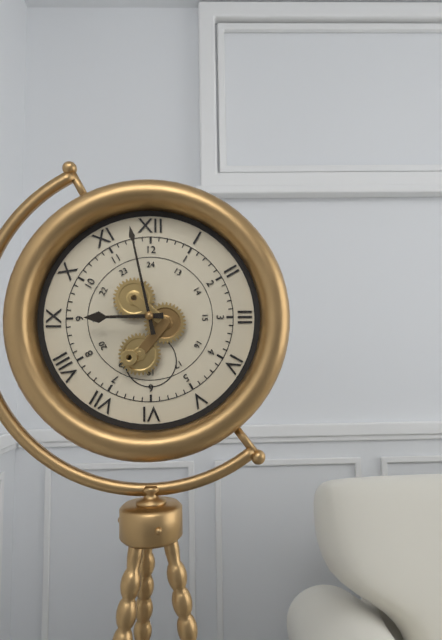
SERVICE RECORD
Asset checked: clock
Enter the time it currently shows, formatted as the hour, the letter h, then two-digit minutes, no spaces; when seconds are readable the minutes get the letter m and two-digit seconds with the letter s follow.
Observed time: 8h58
